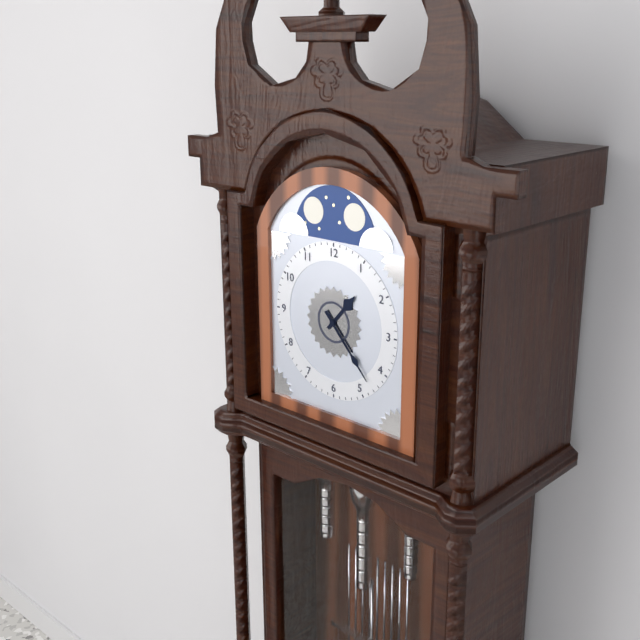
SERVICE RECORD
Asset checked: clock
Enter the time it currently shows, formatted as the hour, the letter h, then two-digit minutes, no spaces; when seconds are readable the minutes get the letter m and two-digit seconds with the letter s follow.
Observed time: 1h23
